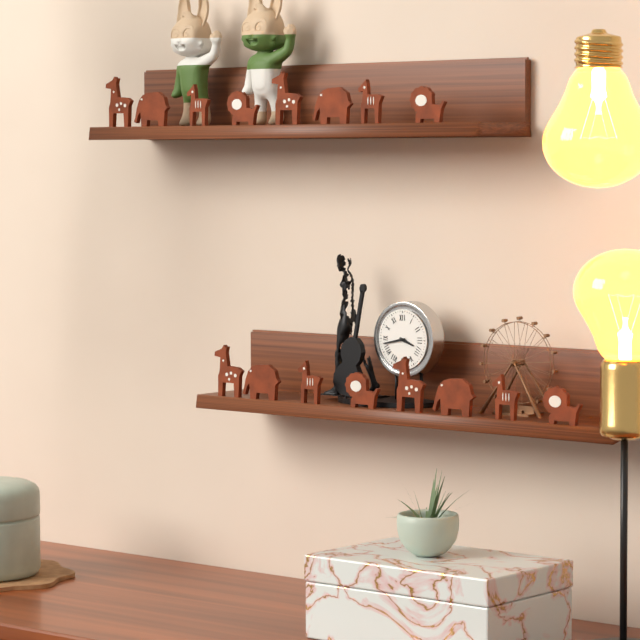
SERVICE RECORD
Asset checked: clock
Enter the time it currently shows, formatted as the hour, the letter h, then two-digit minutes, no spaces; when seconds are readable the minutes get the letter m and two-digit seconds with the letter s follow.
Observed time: 3h43
